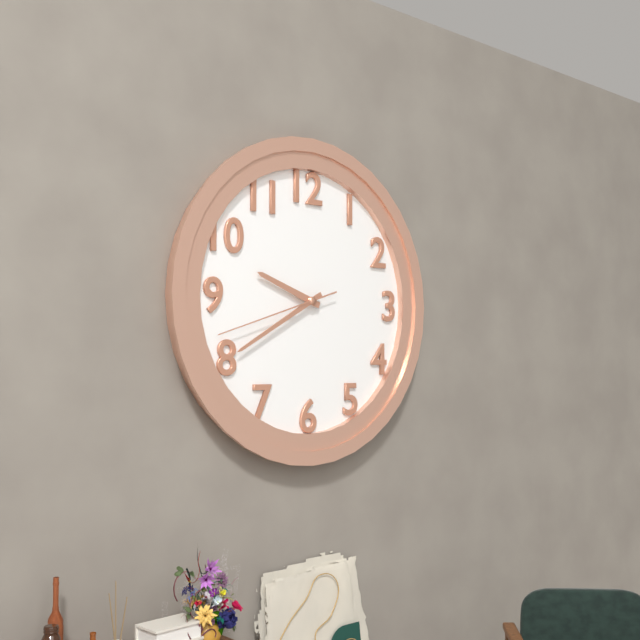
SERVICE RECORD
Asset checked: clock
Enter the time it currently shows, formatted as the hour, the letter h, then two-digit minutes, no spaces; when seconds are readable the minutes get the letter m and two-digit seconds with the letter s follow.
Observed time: 9h40m42s
